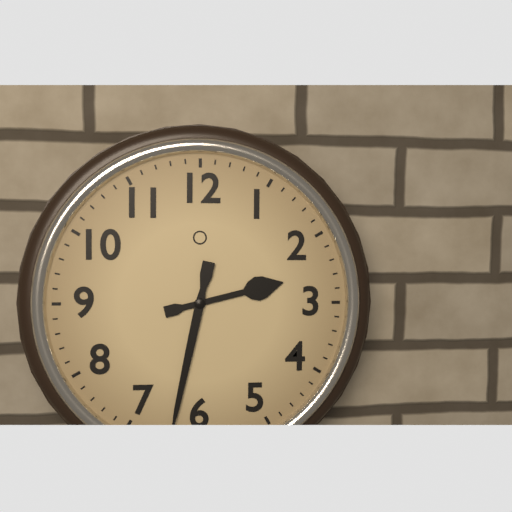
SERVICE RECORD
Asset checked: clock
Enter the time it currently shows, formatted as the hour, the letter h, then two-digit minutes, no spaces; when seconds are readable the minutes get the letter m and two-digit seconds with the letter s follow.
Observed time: 2h32
